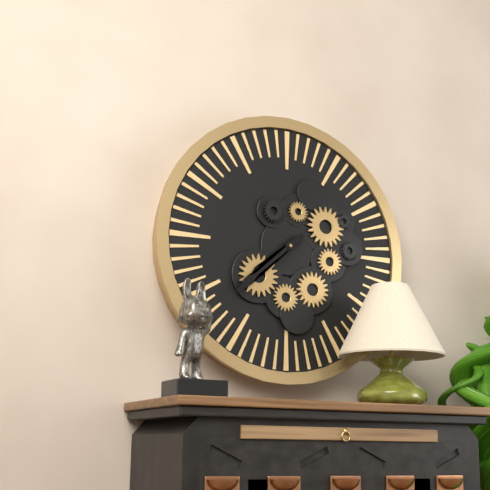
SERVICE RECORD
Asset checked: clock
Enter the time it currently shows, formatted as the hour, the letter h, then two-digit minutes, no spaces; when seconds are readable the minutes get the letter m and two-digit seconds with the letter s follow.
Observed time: 7h38
